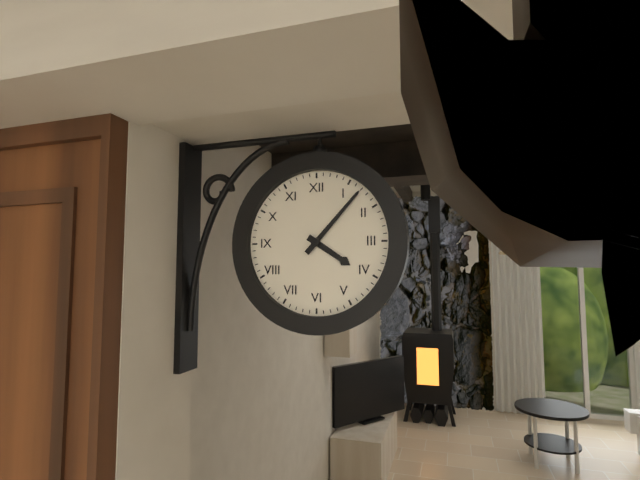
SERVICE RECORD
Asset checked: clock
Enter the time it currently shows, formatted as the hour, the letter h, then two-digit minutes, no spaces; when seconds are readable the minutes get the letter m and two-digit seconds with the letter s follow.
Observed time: 4h07
